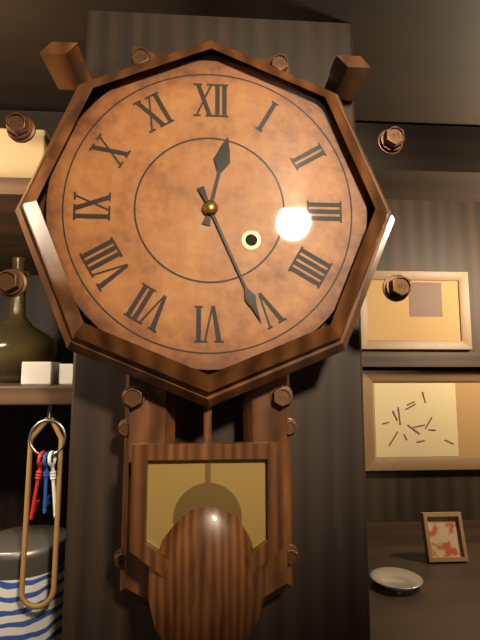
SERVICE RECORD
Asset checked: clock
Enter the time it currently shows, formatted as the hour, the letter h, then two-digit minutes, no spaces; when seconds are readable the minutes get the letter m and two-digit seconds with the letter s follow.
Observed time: 12h26
